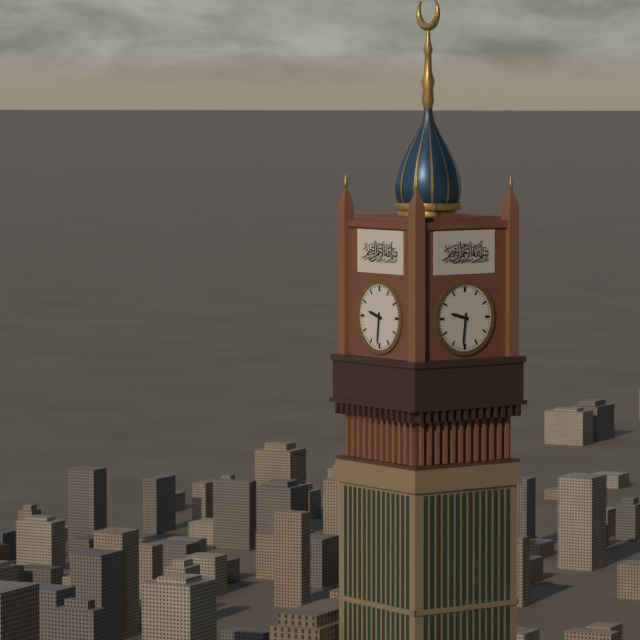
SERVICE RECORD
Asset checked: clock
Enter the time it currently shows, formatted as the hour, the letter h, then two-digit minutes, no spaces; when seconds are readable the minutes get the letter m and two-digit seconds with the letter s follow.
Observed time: 9h31
